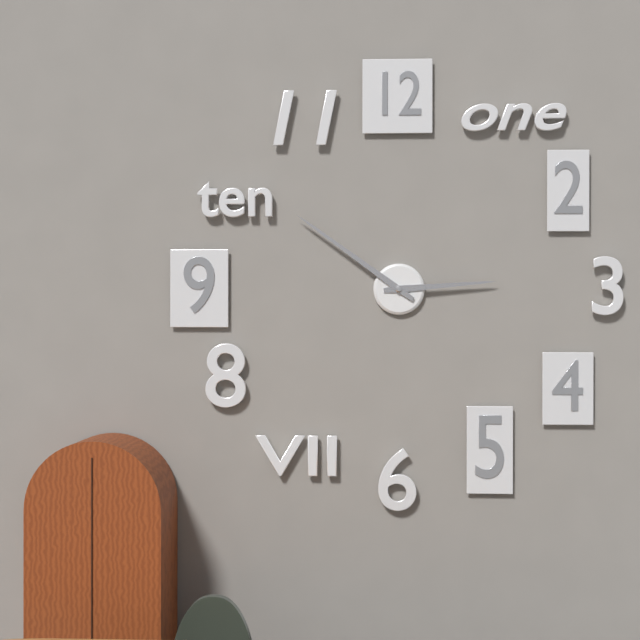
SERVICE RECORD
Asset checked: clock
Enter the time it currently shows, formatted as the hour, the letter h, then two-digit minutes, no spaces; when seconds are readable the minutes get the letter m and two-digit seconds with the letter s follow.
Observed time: 2h51
